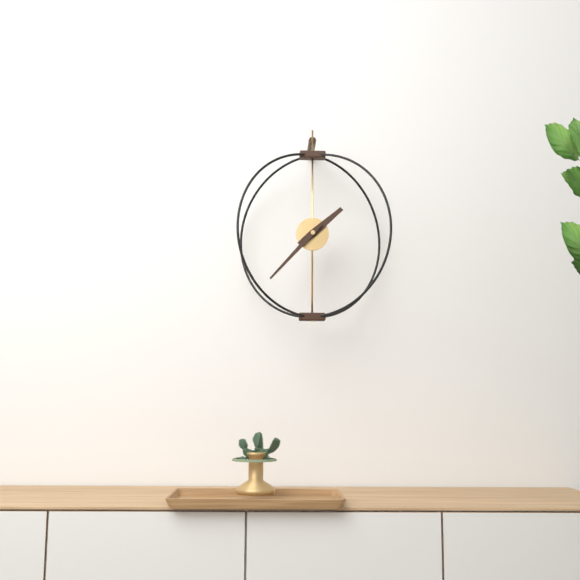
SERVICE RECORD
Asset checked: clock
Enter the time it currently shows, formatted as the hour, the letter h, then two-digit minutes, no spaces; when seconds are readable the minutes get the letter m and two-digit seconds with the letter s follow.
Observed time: 1h37
